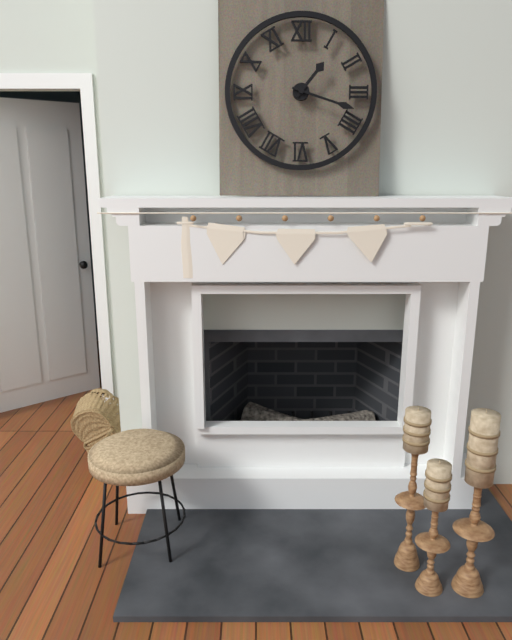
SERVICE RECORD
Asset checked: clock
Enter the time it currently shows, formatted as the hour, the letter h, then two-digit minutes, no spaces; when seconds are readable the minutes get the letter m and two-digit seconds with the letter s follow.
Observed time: 1h18
